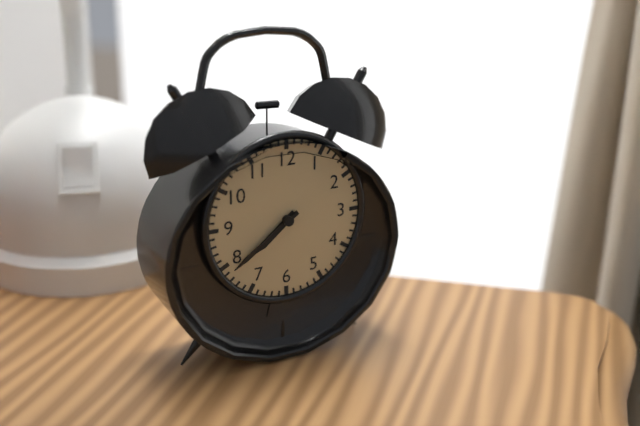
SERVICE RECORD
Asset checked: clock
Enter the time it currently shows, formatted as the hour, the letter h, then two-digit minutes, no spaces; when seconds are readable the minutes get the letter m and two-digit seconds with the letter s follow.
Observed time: 7h39
